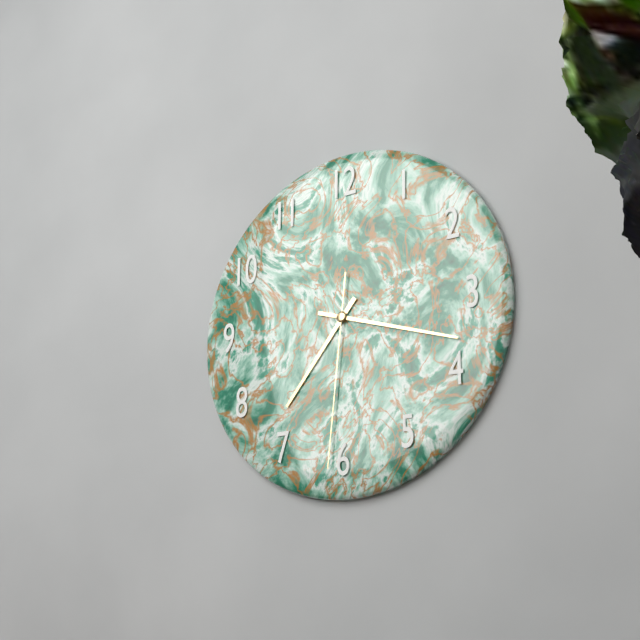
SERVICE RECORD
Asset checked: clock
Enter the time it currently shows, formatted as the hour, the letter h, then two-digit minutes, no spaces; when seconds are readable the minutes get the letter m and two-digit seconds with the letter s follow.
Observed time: 7h18m31s
